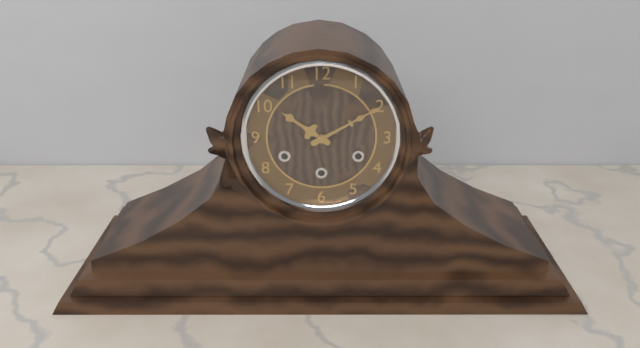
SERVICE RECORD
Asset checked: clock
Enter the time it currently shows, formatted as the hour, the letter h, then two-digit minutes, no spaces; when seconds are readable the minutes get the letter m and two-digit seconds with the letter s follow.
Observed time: 10h10
